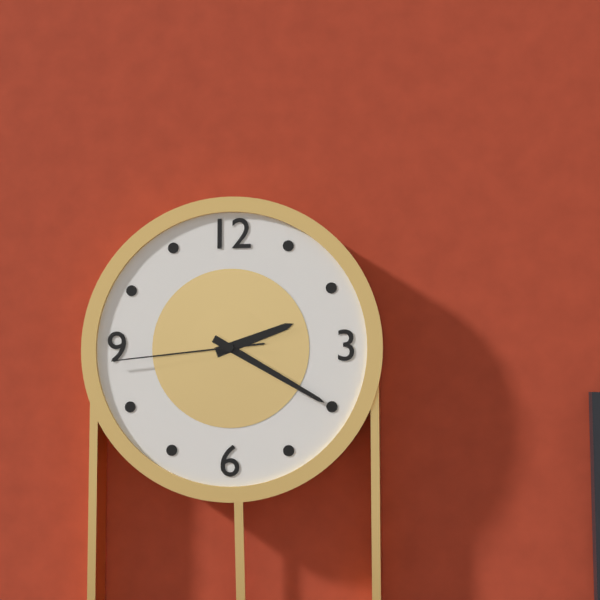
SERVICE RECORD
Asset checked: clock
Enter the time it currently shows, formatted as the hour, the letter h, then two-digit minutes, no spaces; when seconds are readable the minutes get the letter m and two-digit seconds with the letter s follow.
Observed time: 2h20m44s
